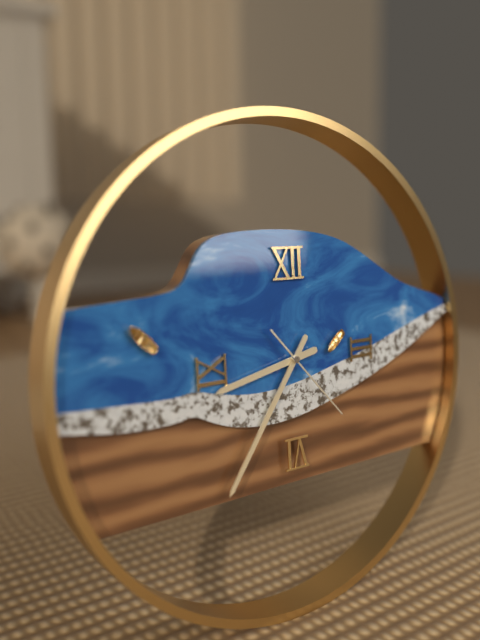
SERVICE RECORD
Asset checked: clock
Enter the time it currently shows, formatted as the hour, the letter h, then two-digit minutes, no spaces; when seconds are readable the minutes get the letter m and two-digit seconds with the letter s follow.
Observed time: 8h36m23s
